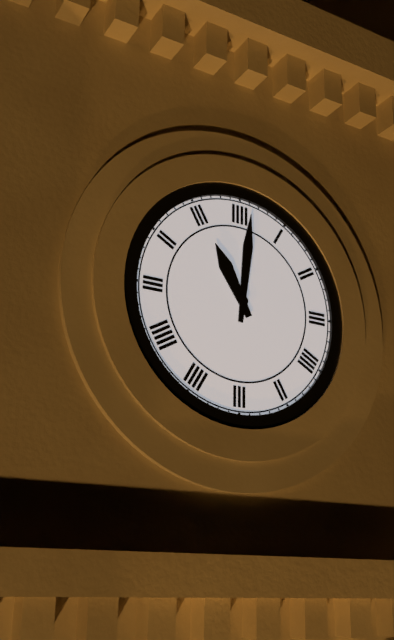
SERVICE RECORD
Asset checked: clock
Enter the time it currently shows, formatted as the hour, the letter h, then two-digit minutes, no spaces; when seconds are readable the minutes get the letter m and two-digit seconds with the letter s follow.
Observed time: 11h01
